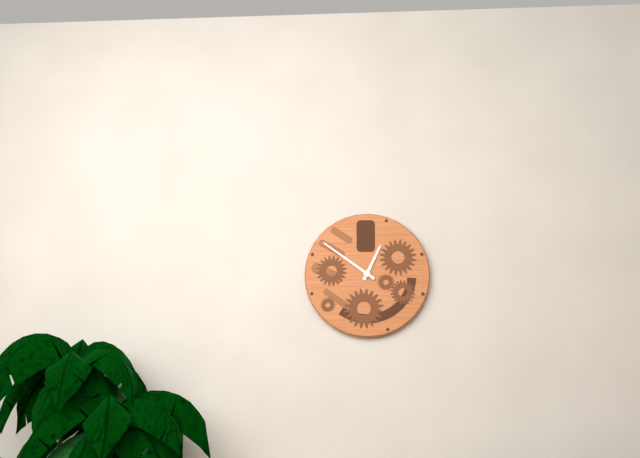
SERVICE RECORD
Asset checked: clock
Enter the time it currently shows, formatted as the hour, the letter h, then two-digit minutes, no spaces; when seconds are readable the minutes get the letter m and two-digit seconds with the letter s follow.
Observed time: 12h51
